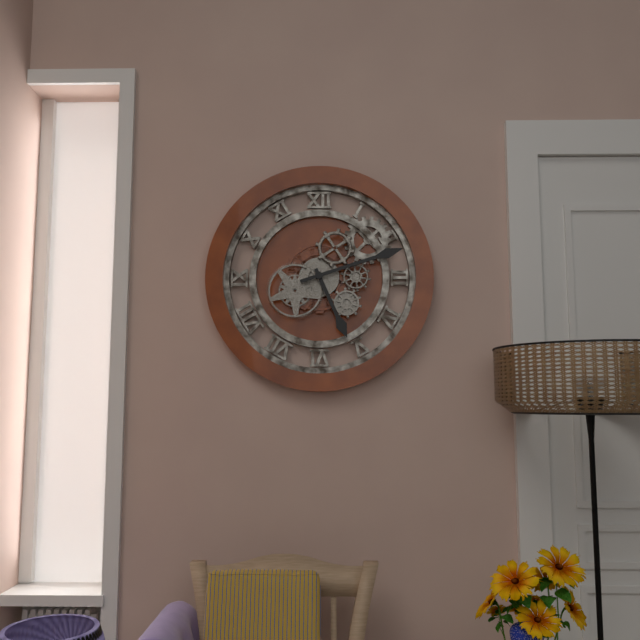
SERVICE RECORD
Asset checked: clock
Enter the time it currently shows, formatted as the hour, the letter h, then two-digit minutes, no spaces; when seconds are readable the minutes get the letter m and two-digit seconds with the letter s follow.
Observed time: 5h12
